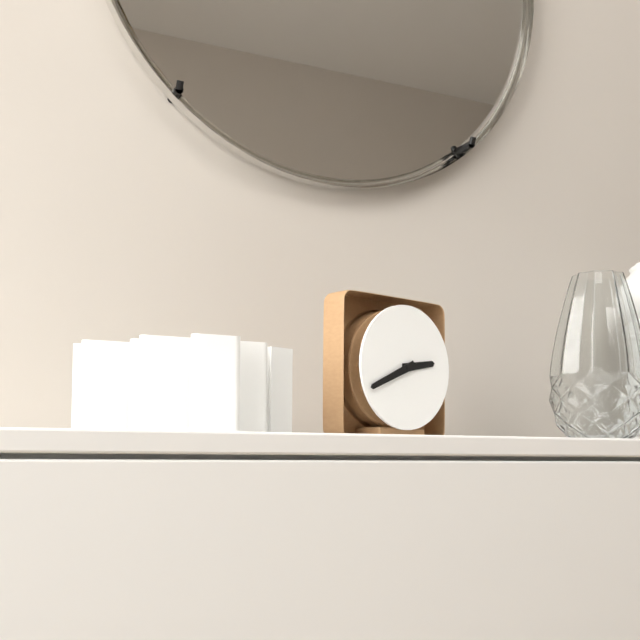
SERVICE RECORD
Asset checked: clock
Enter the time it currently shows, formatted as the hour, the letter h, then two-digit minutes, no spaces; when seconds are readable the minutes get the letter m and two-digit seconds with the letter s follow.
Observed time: 2h41
